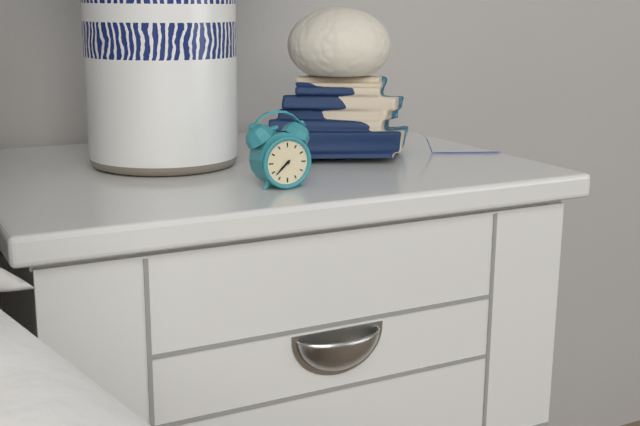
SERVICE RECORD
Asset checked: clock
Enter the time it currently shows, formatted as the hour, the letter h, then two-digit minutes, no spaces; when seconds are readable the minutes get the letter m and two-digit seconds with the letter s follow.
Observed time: 7h38
